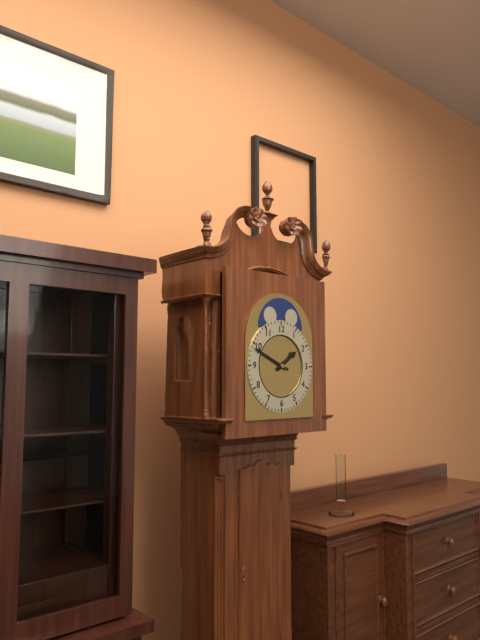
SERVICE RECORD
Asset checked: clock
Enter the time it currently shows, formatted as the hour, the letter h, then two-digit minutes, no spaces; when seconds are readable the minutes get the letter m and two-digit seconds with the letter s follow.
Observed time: 1h49
